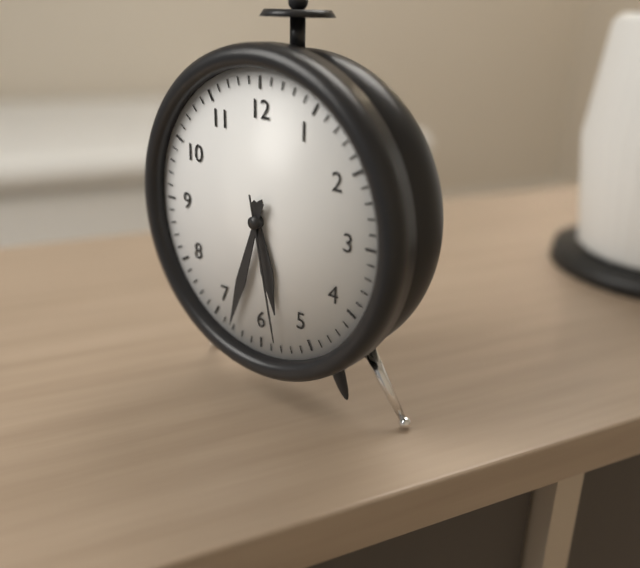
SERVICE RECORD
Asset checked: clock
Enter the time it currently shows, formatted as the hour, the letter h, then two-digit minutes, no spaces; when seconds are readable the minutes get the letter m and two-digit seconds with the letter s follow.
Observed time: 5h33m28s
